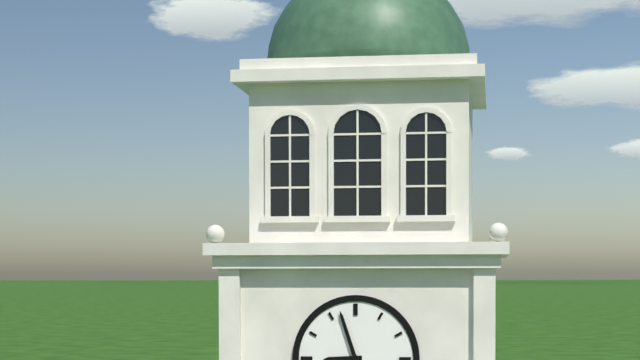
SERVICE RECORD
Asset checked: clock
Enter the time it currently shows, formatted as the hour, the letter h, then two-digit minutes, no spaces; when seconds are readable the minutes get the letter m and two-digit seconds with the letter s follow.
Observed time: 8h57
